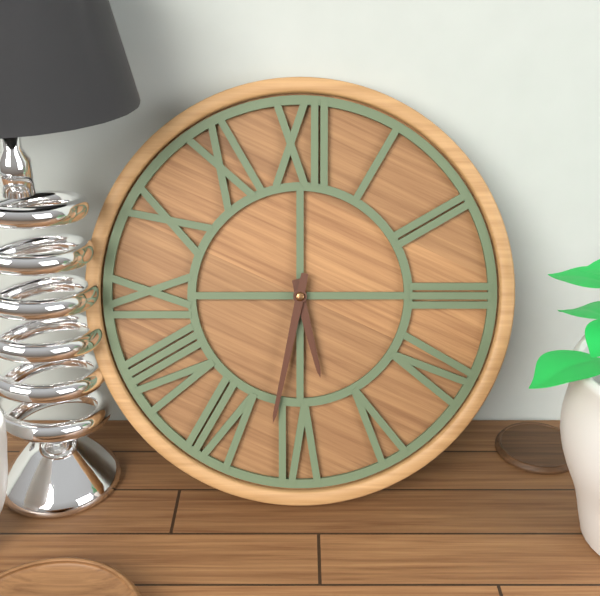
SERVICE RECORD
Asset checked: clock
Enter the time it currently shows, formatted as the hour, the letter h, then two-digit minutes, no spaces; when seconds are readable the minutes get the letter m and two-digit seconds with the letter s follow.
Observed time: 5h32
